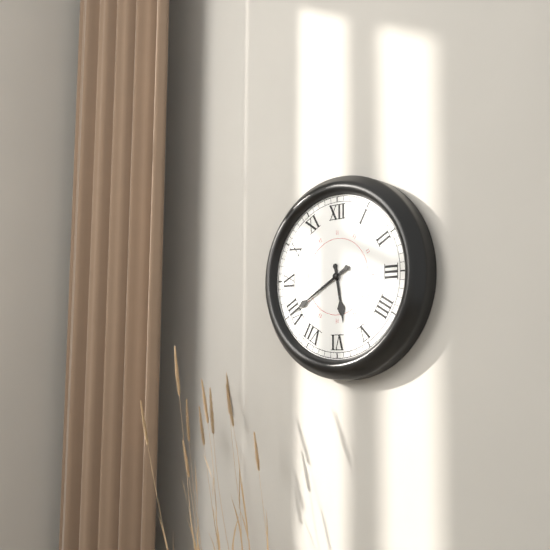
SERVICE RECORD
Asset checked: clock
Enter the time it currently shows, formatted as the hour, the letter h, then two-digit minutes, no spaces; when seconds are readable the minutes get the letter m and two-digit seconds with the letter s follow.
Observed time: 5h40
